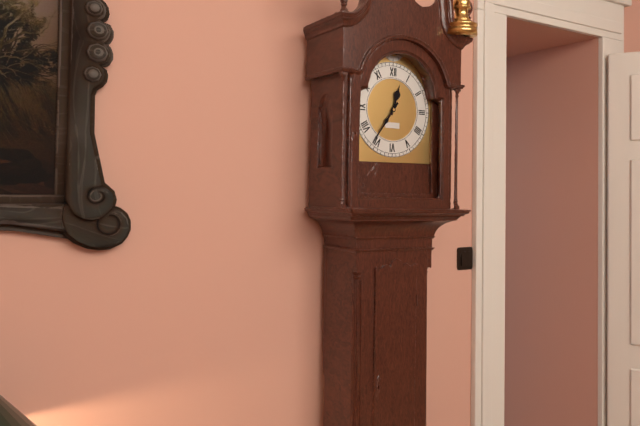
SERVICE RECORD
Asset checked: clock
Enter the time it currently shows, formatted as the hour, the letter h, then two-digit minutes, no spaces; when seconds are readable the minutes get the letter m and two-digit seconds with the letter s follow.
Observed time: 12h36
